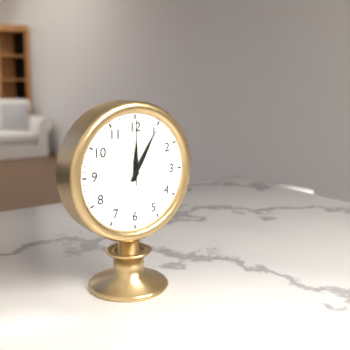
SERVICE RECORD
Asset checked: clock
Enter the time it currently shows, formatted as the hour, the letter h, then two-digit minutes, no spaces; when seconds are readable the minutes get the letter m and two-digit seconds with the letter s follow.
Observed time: 12h05m00s
